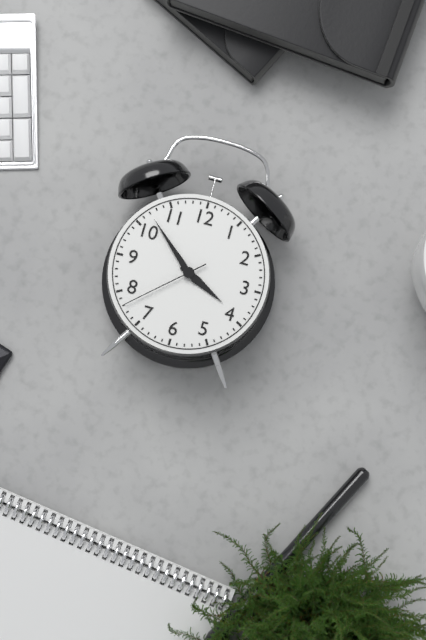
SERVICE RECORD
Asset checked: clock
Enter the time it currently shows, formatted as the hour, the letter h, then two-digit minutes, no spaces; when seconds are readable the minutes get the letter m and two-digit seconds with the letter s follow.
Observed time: 3h52m38s
